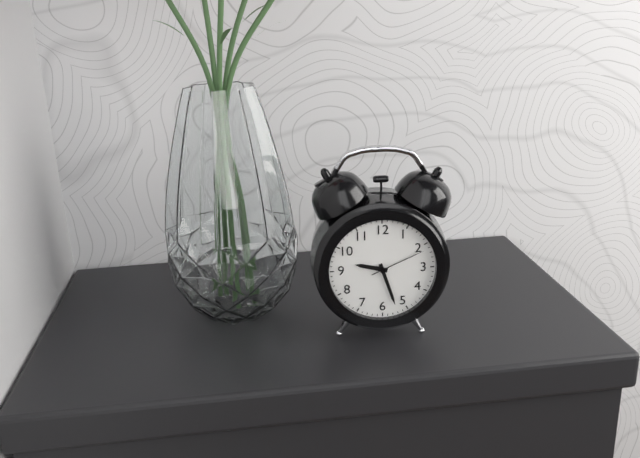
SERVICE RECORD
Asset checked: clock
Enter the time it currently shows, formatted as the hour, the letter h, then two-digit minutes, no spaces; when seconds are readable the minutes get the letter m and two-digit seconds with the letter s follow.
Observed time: 9h27m11s
